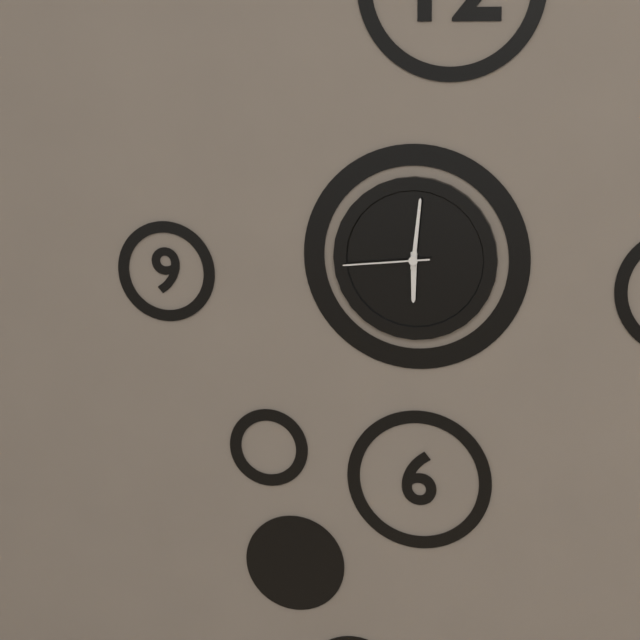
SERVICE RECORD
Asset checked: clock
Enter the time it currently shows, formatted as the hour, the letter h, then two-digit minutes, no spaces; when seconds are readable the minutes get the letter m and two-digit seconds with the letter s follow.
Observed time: 6h01m44s
